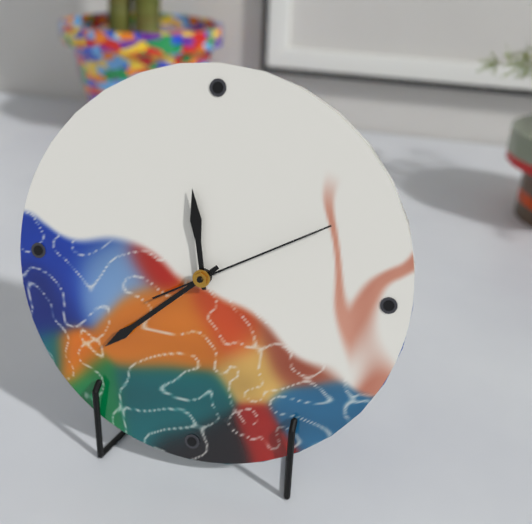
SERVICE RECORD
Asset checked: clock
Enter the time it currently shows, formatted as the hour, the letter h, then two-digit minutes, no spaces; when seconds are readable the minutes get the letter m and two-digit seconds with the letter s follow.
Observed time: 11h38m10s
